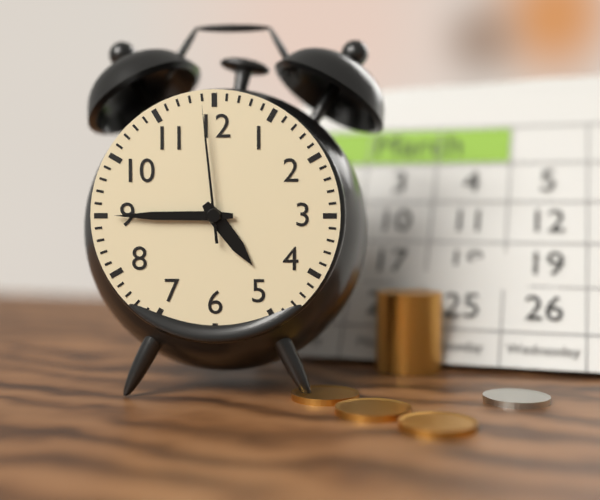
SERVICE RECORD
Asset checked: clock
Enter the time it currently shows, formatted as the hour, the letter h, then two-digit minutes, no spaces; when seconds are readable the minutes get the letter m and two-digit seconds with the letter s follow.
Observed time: 4h45m59s
